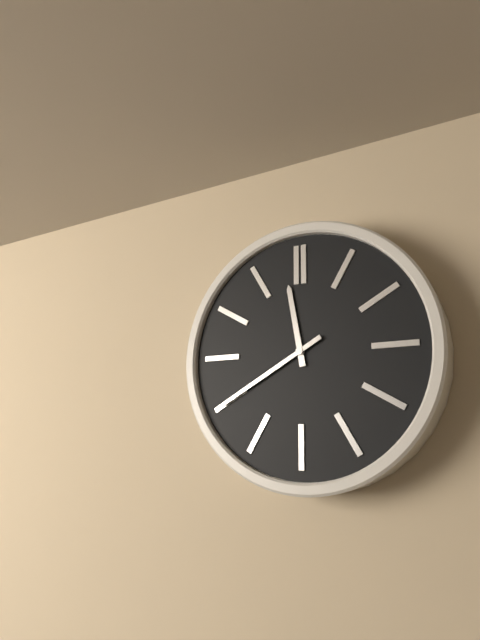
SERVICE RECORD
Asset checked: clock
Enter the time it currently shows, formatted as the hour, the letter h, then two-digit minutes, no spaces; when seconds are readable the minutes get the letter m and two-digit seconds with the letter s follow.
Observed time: 11h40
